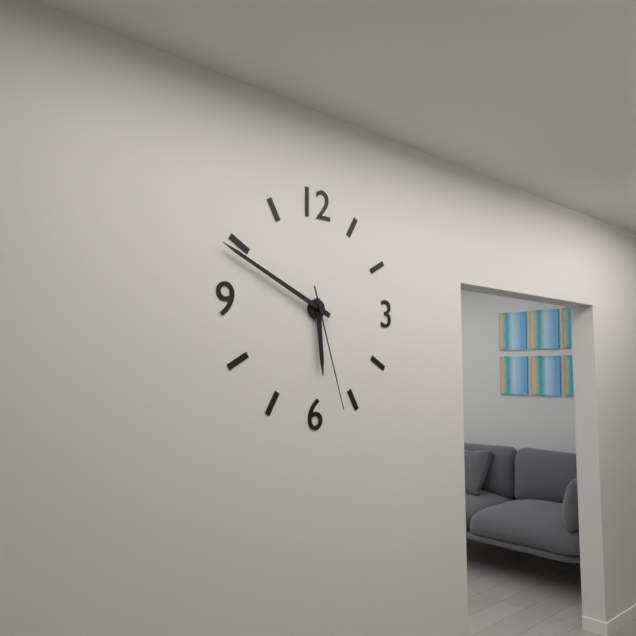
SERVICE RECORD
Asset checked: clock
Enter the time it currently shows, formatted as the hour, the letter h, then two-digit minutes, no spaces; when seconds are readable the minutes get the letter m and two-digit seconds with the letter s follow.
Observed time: 5h49m27s
